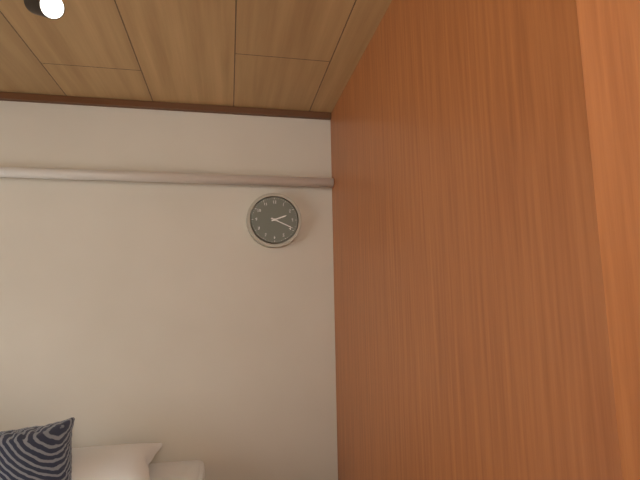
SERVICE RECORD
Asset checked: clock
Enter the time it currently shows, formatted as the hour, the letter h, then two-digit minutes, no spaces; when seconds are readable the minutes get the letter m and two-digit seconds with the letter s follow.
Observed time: 2h19
